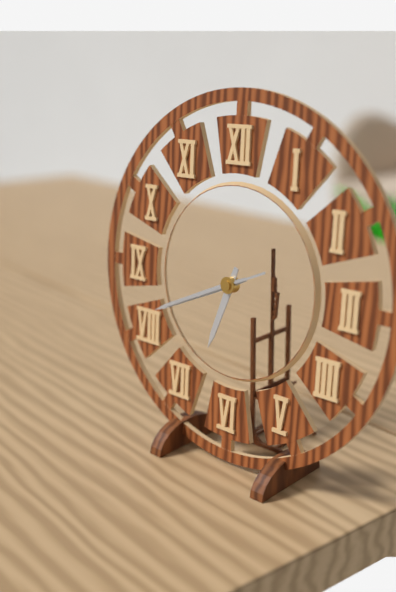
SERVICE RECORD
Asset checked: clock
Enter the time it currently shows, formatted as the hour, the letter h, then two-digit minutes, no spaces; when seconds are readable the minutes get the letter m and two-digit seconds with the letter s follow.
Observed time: 6h41m41s
